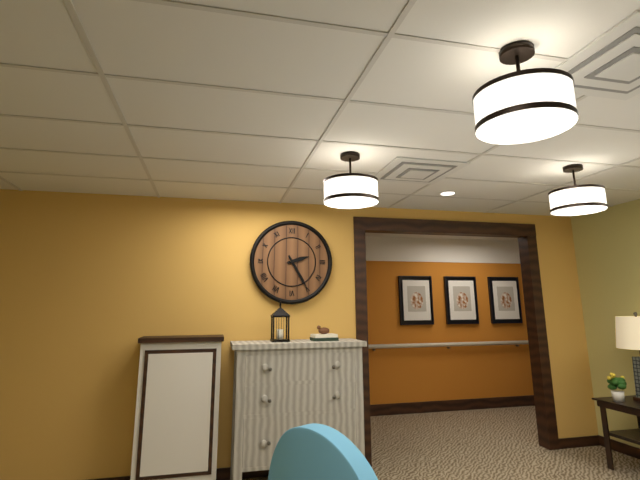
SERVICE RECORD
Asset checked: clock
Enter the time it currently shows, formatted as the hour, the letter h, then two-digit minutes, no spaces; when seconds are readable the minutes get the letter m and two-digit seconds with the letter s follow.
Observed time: 2h25
